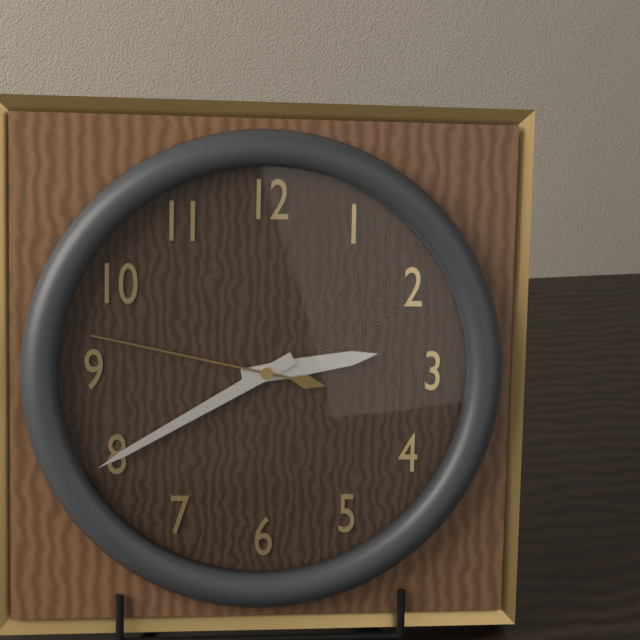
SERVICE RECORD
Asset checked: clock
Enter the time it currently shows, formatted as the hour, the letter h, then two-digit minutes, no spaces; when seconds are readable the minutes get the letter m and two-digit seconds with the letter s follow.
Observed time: 2h40m47s
